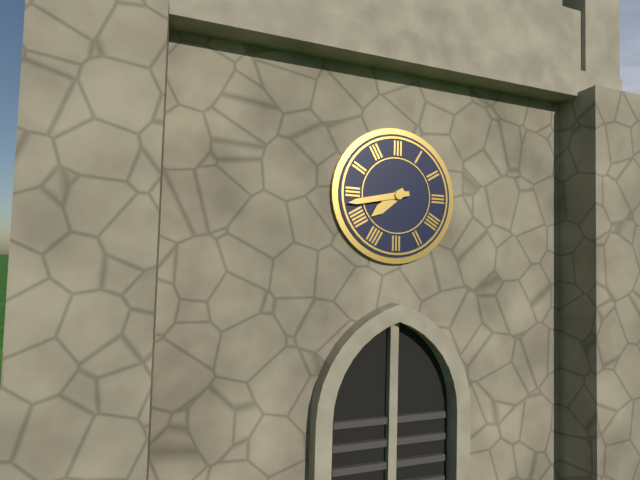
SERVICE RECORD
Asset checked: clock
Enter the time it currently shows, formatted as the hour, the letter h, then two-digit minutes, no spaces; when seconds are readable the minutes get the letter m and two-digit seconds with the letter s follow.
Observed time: 7h43
